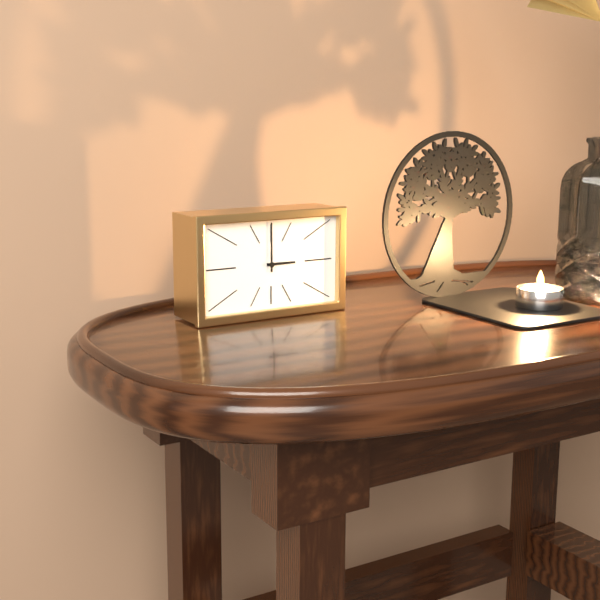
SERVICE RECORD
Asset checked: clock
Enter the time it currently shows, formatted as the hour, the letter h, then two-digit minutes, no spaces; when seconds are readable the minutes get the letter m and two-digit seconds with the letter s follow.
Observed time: 3h00
